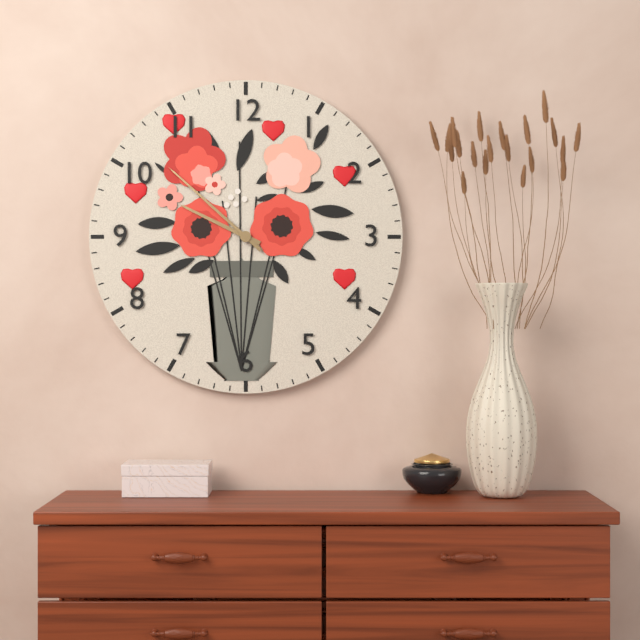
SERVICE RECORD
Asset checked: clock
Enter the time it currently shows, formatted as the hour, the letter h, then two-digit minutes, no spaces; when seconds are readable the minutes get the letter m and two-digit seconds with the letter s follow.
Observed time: 9h52
